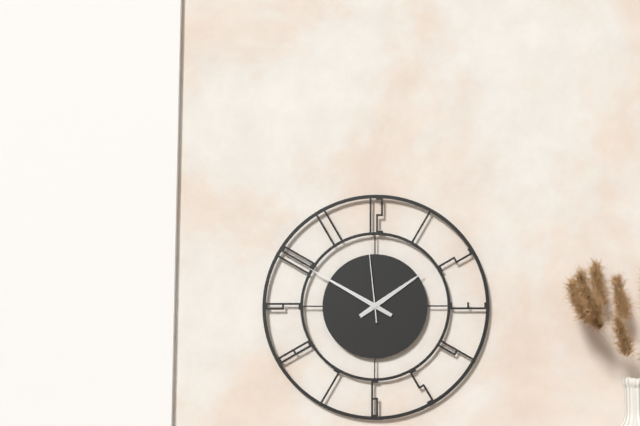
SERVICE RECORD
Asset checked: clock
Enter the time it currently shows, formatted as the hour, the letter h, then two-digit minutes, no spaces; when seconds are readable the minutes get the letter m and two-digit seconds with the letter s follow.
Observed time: 1h50m59s
